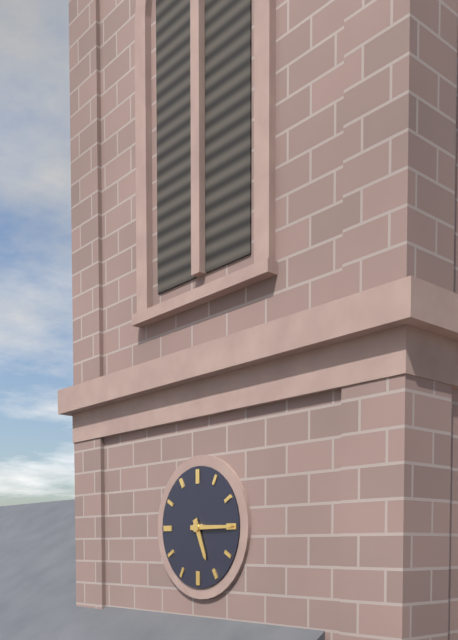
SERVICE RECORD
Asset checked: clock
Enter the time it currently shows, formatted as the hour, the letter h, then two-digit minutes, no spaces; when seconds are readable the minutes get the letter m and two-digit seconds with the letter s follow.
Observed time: 5h15
